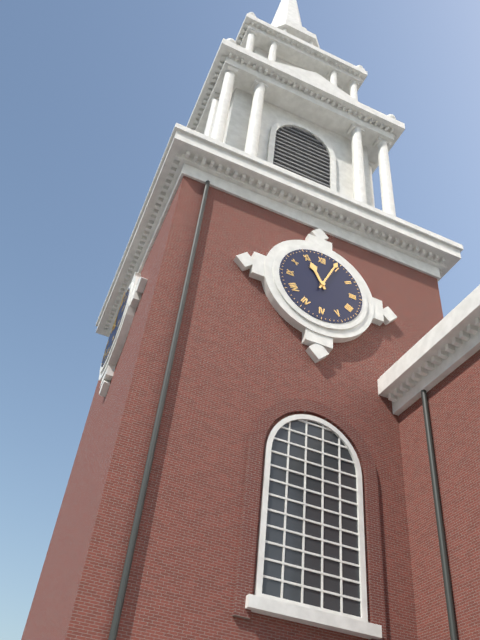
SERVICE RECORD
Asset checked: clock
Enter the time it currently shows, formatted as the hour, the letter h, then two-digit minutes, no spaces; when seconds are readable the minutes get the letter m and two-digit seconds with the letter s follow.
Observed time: 11h04
